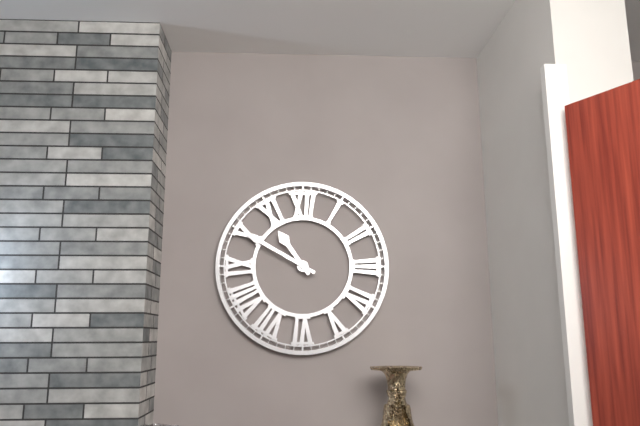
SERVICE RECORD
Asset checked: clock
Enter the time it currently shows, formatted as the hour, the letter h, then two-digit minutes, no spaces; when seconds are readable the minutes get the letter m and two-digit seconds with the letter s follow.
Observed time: 10h50
